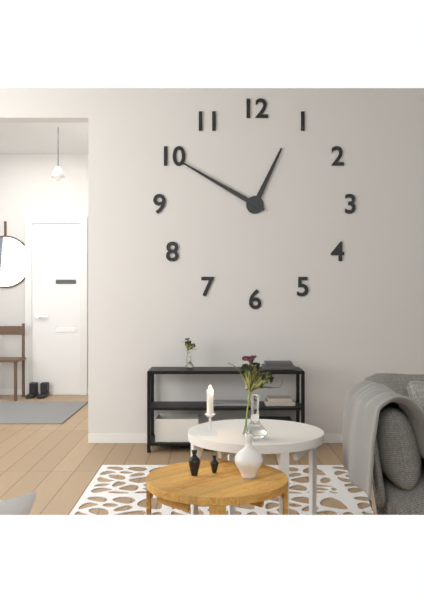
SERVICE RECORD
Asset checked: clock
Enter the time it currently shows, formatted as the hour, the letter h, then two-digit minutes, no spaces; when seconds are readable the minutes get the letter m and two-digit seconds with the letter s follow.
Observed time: 12h50
